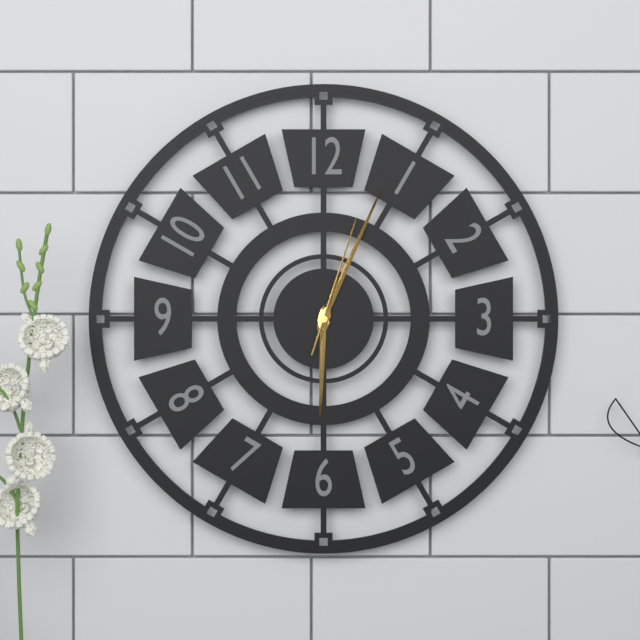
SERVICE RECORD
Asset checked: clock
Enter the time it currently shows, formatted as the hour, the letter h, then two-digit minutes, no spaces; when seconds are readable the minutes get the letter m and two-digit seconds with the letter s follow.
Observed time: 6h04m03s
